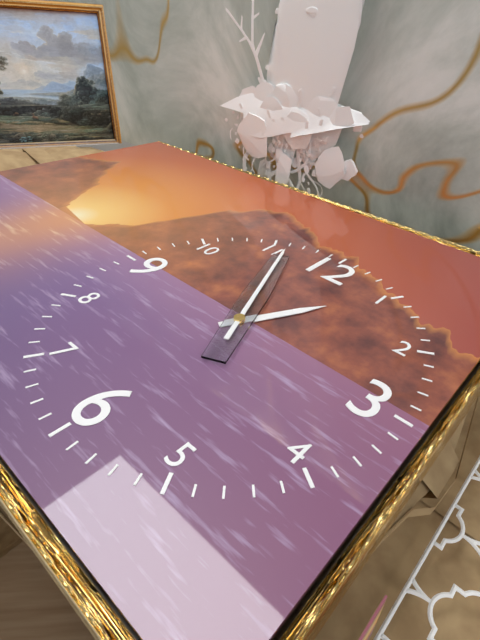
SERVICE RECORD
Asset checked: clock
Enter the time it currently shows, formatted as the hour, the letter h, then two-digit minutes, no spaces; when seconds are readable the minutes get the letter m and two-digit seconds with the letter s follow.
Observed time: 12h56
